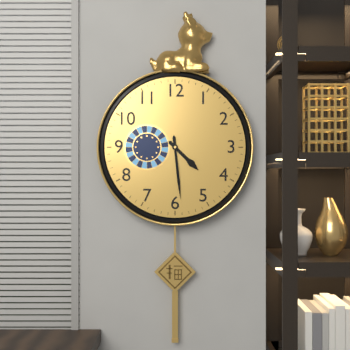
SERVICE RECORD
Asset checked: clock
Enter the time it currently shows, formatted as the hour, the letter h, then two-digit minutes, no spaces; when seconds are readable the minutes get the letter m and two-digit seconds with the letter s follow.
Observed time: 4h29
